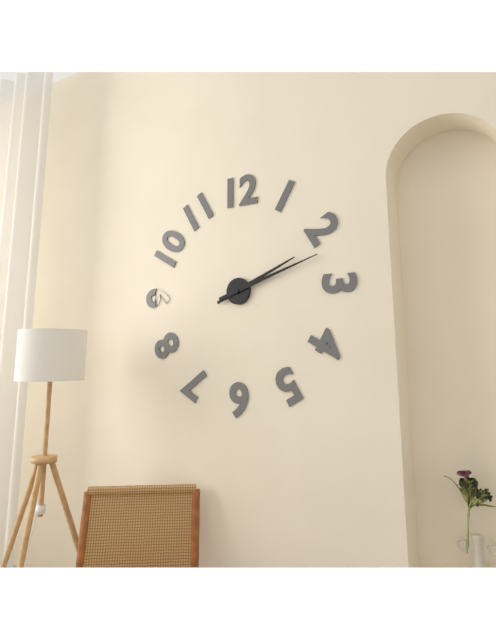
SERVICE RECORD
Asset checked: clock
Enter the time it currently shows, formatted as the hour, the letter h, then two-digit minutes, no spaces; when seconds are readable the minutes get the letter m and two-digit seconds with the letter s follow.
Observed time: 2h12
